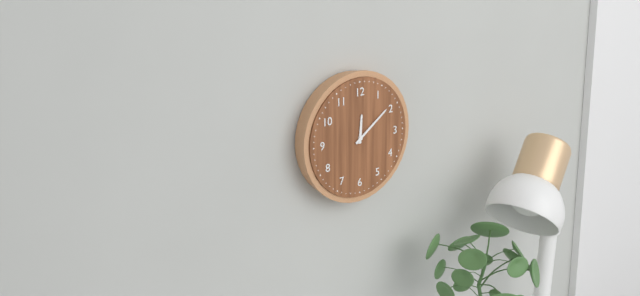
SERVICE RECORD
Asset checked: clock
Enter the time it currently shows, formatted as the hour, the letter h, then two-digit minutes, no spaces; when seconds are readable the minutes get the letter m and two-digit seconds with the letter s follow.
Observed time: 12h09
